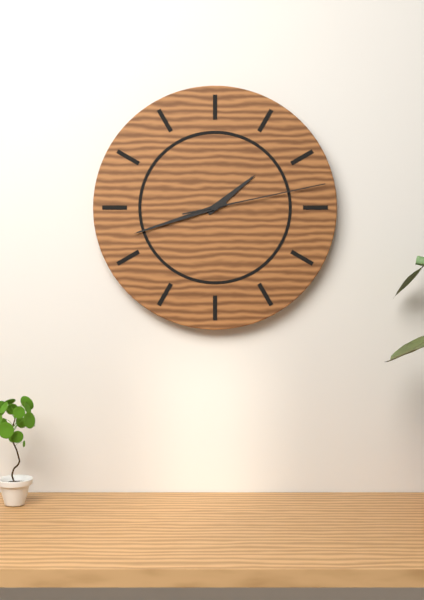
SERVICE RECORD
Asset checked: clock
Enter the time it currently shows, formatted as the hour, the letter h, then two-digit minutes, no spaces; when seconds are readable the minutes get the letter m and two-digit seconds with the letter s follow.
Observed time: 1h42m13s
